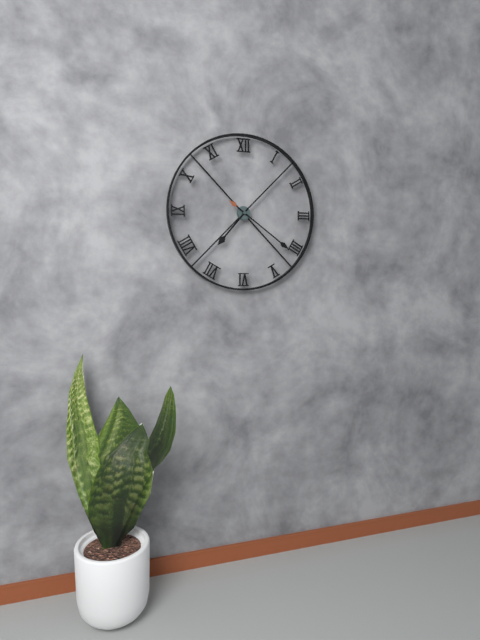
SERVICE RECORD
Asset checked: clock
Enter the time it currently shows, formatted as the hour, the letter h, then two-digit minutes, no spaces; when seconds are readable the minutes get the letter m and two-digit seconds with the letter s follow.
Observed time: 7h21
